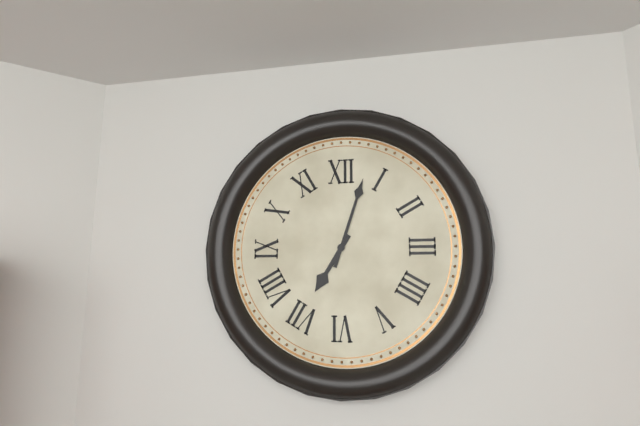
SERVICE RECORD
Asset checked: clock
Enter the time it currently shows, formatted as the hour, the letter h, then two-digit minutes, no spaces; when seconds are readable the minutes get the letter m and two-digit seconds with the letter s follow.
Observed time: 7h03
